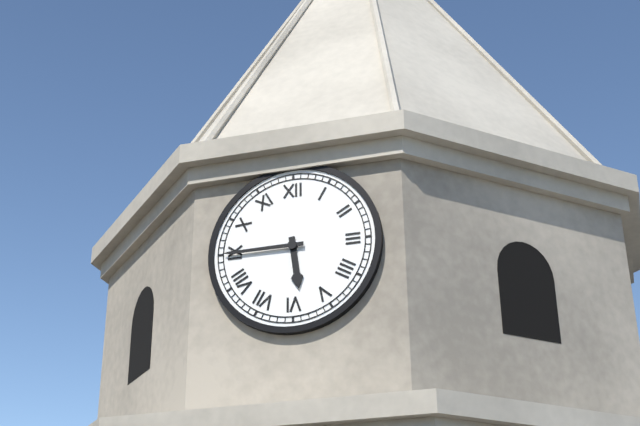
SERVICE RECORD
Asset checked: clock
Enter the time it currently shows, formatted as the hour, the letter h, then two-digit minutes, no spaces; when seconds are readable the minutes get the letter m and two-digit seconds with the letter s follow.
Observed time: 5h45
